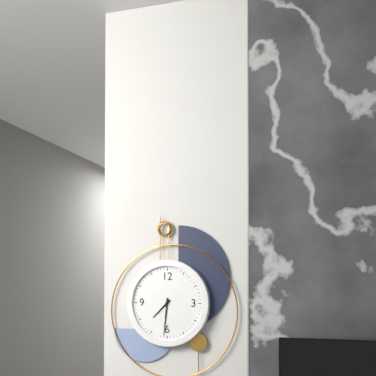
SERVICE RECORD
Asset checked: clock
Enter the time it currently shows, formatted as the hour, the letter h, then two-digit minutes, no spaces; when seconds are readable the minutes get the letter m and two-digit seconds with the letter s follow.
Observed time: 7h31
